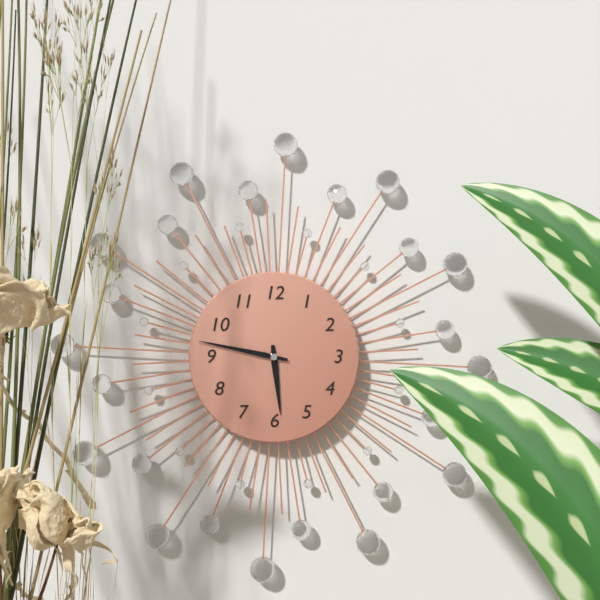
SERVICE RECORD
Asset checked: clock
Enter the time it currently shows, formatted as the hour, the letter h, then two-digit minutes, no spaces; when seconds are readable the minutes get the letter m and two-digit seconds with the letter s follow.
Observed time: 5h47
